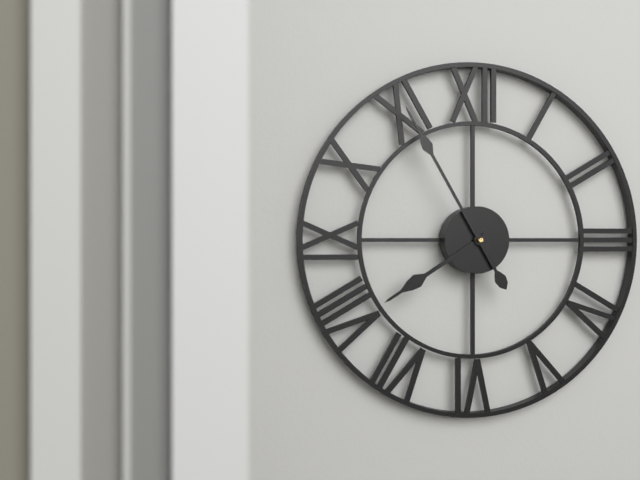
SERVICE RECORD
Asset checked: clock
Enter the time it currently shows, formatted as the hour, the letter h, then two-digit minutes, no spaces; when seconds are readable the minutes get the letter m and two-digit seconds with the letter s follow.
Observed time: 7h55
